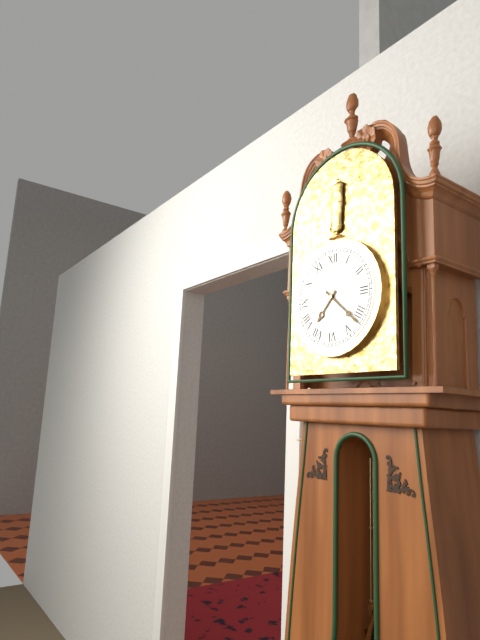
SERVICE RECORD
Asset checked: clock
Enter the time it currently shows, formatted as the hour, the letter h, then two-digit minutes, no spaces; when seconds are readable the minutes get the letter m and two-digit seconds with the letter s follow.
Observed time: 7h22
